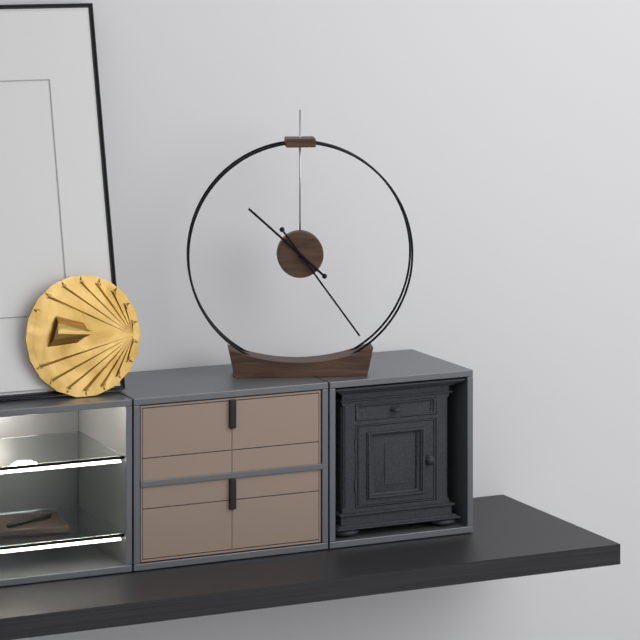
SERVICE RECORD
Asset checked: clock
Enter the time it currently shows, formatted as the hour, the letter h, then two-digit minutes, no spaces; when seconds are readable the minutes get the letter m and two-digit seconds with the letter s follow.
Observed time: 10h24
